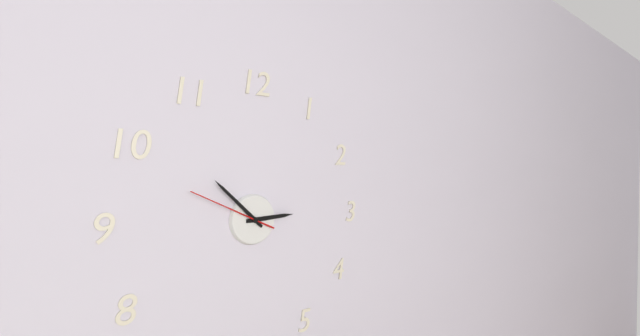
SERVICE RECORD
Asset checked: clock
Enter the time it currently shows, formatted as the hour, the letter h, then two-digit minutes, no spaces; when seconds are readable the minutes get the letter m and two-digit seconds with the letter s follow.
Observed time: 2h52m49s
